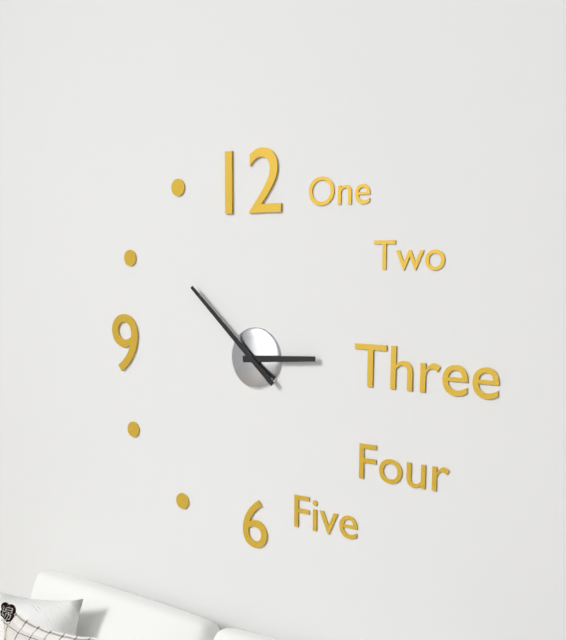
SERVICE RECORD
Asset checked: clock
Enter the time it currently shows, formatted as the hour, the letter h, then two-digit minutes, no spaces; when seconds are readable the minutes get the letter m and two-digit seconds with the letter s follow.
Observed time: 2h52
